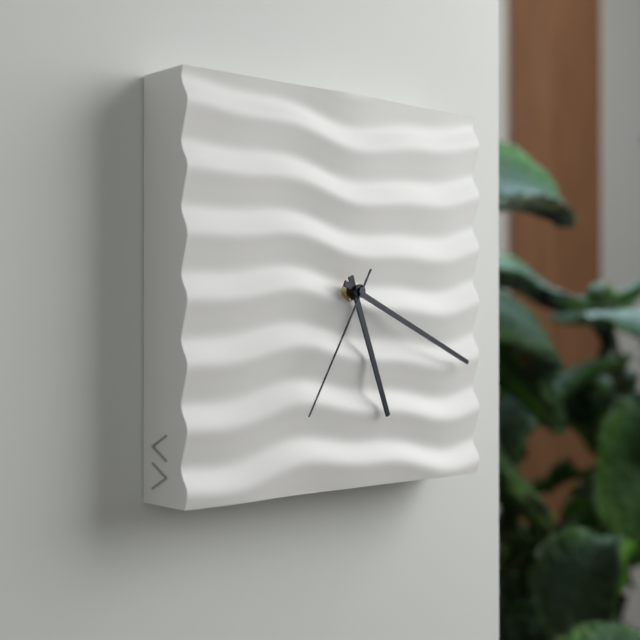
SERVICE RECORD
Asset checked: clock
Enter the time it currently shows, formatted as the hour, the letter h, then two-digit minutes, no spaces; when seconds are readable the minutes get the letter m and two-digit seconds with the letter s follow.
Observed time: 5h19m35s
